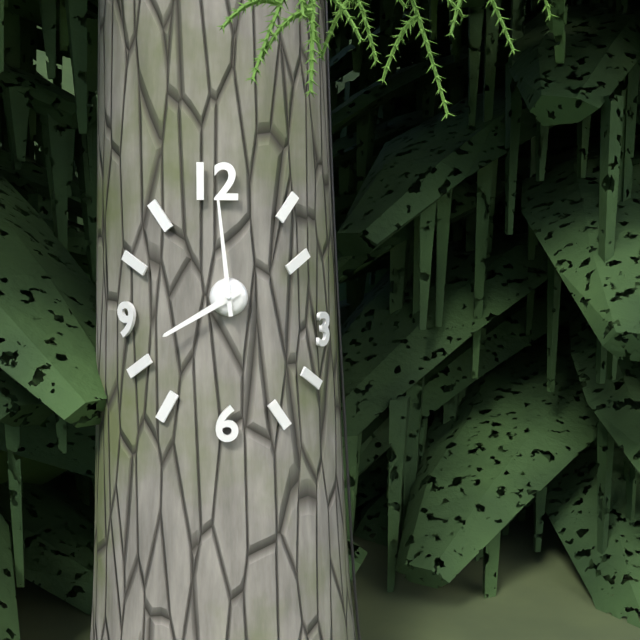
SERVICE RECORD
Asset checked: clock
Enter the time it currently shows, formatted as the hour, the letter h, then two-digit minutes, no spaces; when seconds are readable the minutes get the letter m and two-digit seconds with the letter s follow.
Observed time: 7h59
